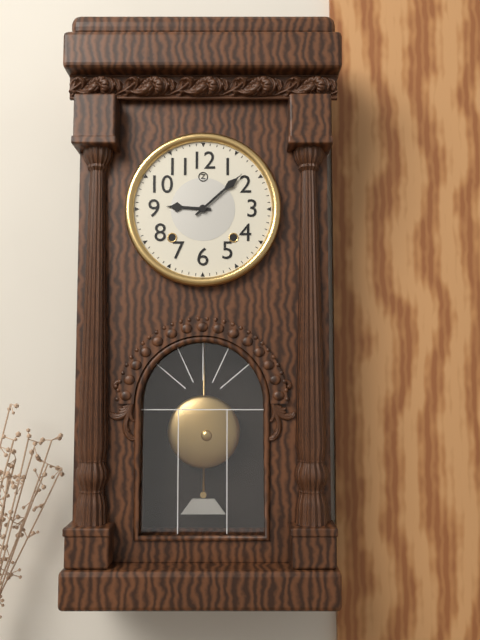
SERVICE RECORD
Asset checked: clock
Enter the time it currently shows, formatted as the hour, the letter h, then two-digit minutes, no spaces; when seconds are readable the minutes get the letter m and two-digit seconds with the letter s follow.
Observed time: 9h08
